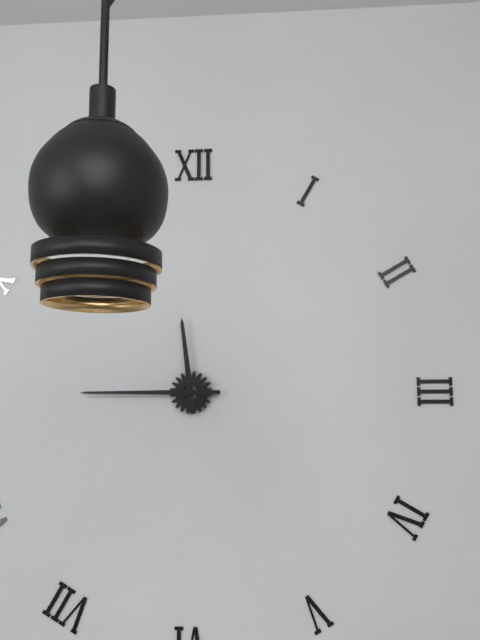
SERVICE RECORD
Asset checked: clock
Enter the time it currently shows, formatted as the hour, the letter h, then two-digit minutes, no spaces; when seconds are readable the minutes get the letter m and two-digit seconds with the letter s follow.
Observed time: 11h45
